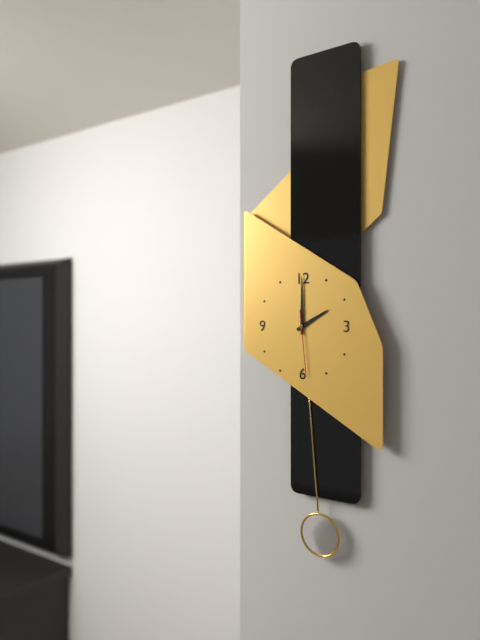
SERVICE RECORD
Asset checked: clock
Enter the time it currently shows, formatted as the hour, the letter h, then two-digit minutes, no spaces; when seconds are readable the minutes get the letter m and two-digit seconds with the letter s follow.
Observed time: 2h00m29s
